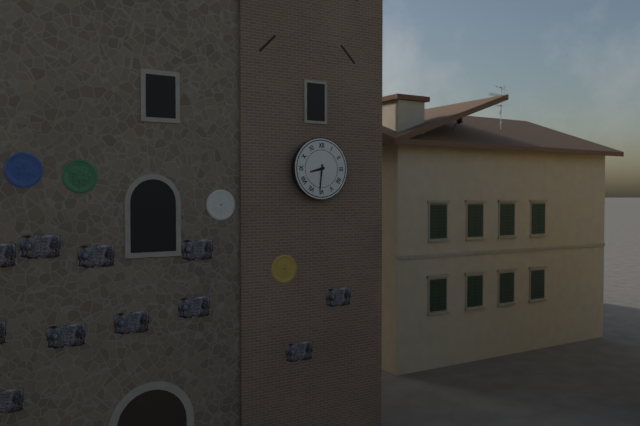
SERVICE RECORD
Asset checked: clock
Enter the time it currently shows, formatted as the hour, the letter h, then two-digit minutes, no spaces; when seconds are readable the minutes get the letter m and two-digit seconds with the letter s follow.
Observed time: 8h31
